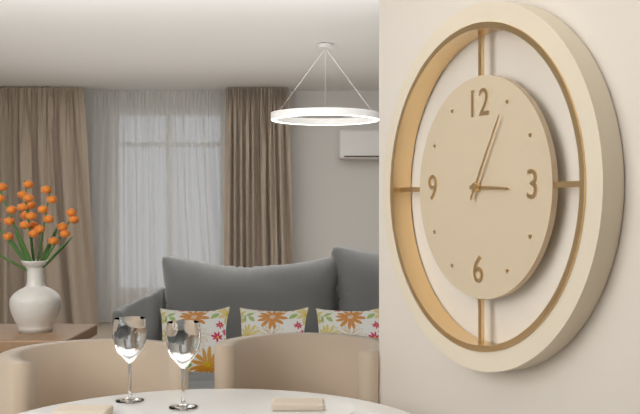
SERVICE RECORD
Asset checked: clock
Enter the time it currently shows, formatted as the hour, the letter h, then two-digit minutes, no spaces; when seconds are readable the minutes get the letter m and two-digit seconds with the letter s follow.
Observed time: 3h05
